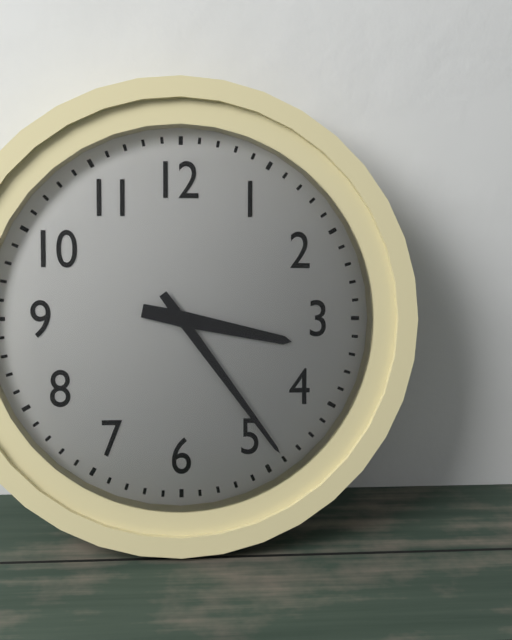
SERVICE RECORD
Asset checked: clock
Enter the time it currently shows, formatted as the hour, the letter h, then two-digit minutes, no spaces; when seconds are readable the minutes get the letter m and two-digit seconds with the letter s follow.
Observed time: 3h24
